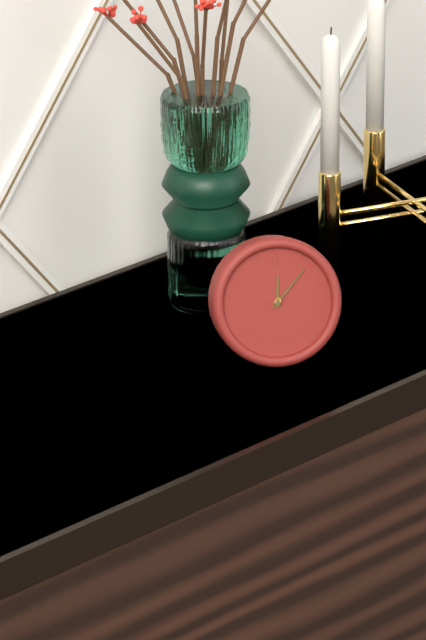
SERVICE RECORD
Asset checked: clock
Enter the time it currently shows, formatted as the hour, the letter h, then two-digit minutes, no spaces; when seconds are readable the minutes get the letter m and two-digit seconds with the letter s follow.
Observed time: 12h07
